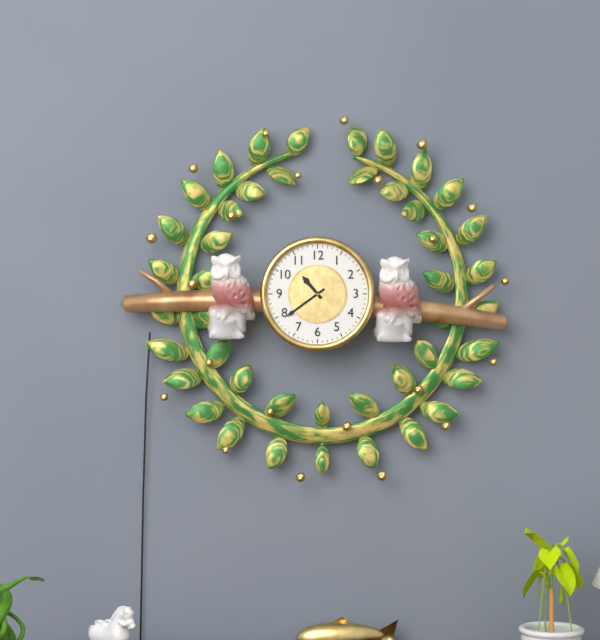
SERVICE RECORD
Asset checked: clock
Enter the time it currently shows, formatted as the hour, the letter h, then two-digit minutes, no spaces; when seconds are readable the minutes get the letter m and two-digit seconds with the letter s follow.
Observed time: 10h39
